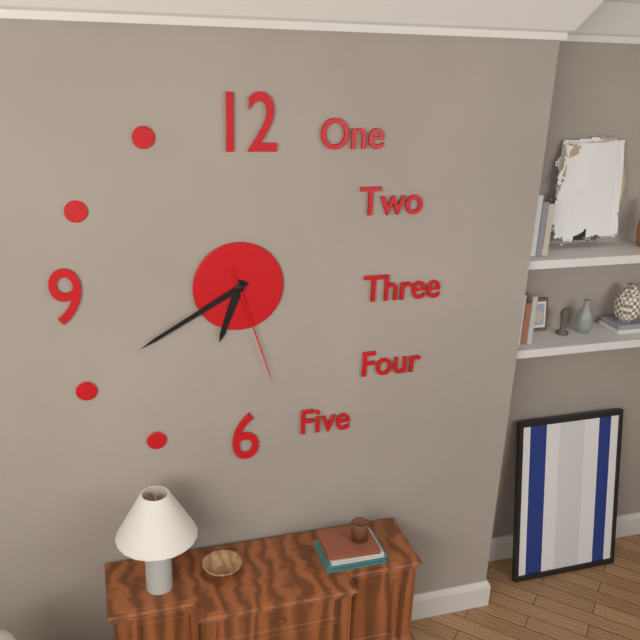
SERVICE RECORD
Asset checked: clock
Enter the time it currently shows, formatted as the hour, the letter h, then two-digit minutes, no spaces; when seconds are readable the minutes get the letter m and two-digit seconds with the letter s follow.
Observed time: 6h40m27s
